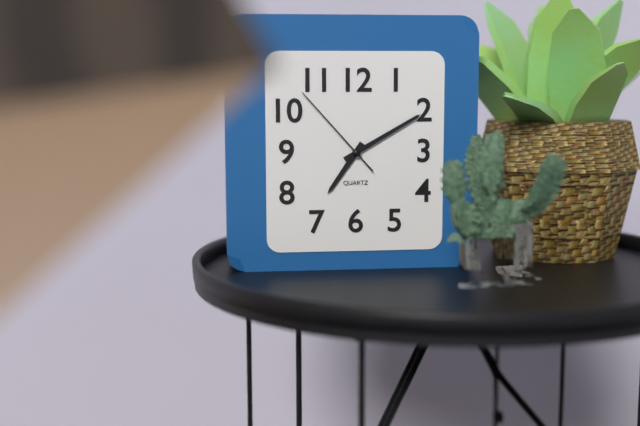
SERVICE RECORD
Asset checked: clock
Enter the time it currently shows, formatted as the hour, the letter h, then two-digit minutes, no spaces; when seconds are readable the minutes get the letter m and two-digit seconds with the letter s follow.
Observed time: 7h10m53s
